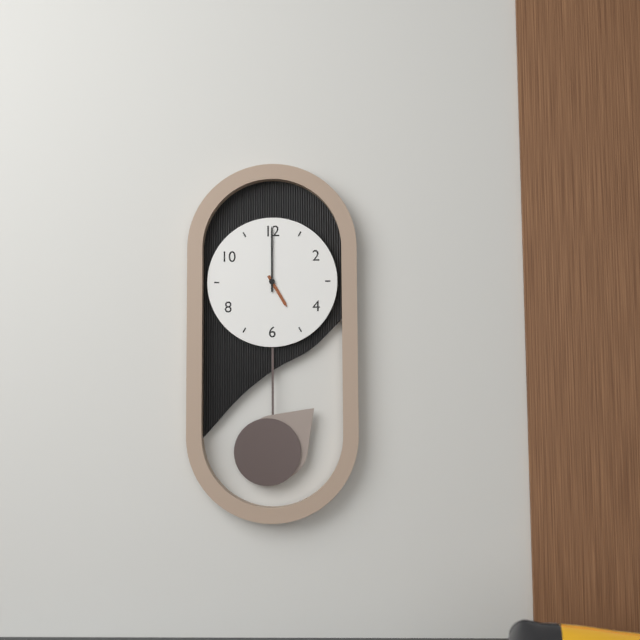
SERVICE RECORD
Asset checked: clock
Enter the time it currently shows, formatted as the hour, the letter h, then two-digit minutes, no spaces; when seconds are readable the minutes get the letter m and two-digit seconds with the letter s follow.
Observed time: 5h00
